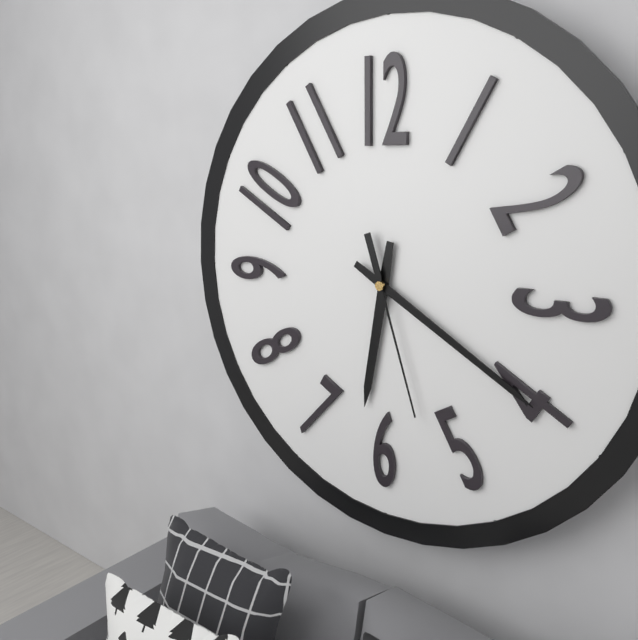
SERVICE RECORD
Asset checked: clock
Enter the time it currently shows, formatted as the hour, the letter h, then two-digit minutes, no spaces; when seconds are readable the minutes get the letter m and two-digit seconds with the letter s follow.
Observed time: 6h20m27s
